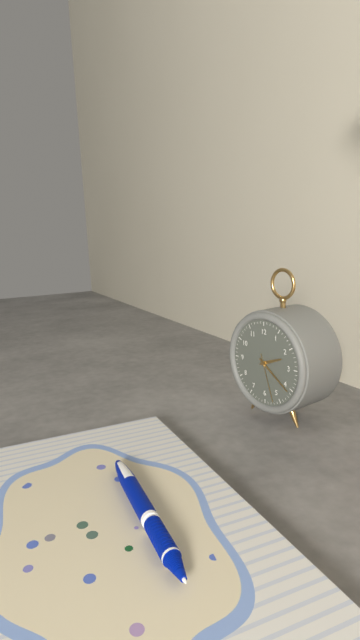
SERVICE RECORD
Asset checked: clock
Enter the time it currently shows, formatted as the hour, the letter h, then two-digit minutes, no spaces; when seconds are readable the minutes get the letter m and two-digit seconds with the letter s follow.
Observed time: 2h21m27s
